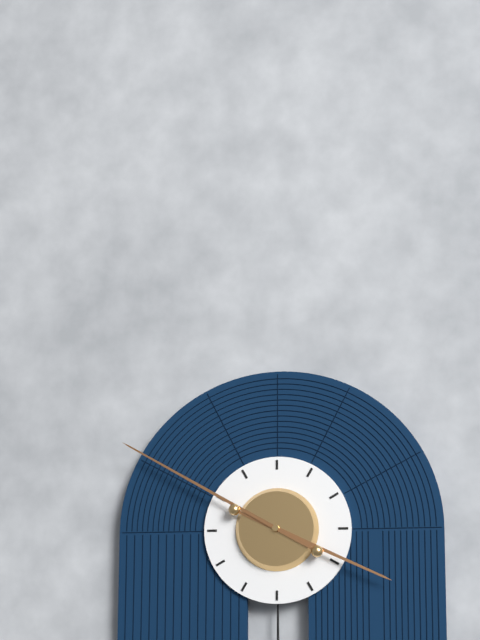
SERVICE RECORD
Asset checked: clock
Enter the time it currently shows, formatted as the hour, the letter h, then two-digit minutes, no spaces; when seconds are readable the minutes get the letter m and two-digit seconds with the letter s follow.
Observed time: 3h50
